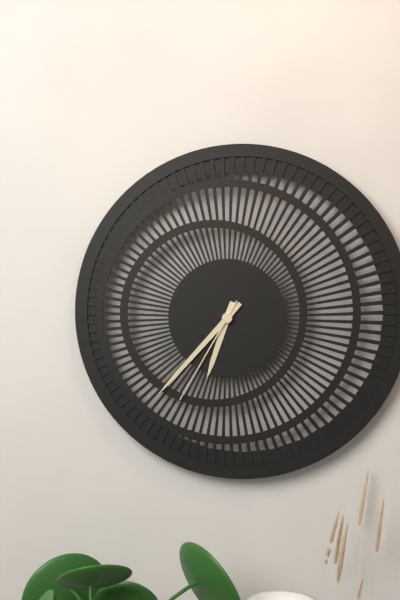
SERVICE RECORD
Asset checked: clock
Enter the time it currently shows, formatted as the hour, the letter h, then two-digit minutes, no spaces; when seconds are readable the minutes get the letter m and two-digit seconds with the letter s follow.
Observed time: 6h37m35s
